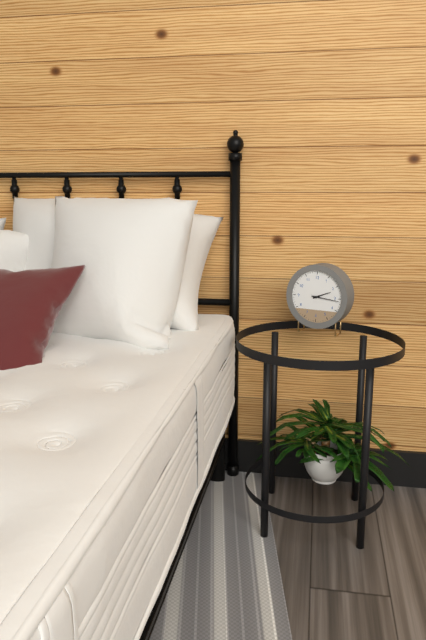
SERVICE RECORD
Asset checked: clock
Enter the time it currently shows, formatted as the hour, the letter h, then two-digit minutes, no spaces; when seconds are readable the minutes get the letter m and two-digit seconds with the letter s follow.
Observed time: 2h16
